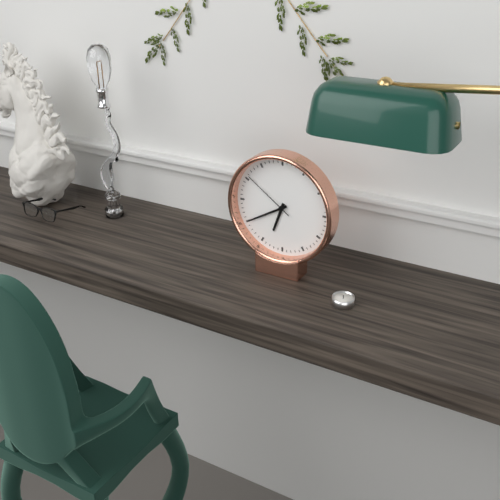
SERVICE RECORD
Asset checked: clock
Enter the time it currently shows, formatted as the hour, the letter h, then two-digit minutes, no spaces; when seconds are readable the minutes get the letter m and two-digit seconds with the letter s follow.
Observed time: 6h40m51s
